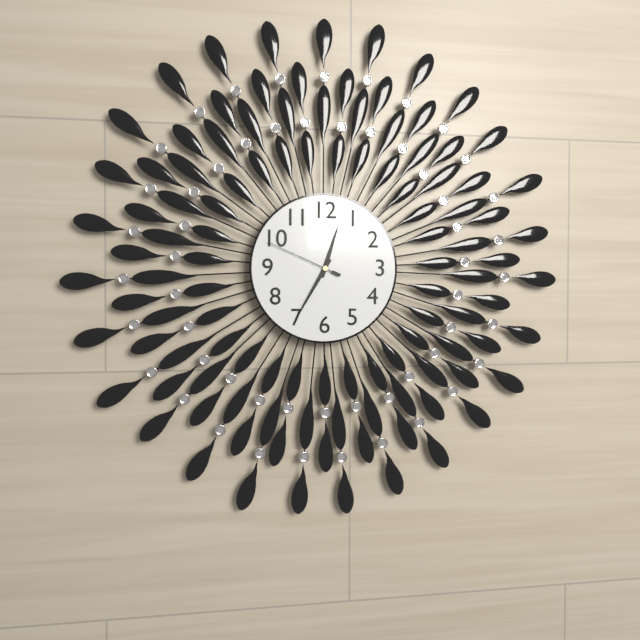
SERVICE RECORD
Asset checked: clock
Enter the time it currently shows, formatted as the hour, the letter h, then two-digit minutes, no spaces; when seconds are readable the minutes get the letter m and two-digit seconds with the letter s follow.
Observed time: 12h35m49s
